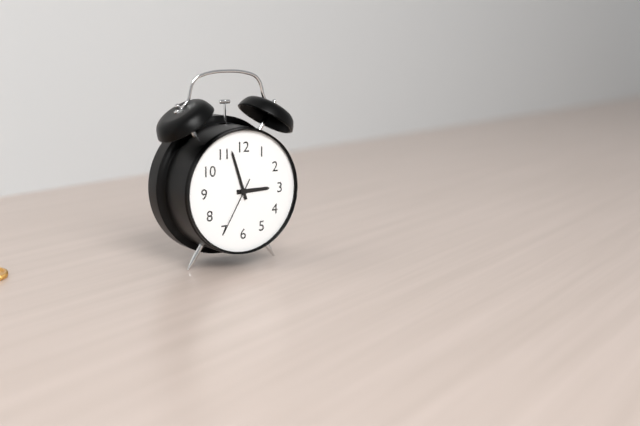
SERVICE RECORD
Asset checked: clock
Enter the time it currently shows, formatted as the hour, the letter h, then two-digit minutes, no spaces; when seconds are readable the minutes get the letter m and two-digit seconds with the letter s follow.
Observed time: 2h57m35s
